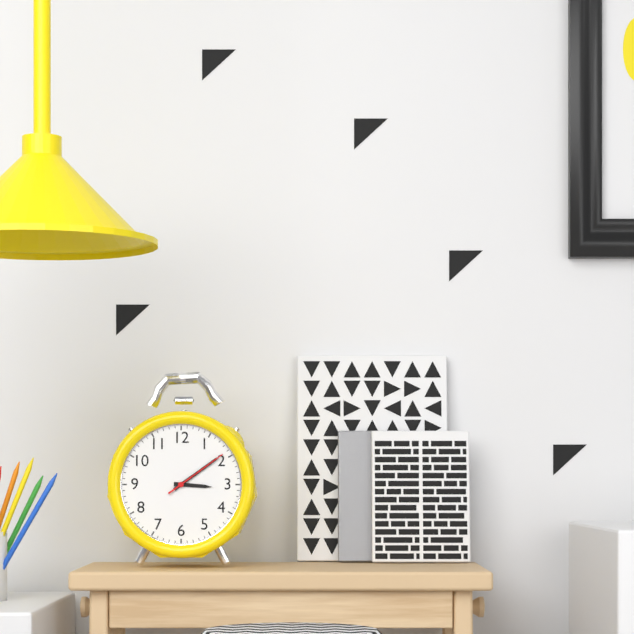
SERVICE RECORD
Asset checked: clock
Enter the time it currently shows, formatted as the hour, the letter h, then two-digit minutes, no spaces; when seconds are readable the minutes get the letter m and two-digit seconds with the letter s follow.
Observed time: 3h09m09s
